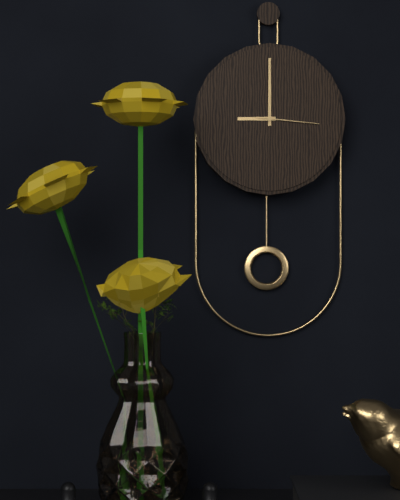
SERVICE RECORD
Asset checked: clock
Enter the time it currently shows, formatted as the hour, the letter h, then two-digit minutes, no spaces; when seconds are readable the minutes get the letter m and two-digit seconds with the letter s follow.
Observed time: 9h00m16s
